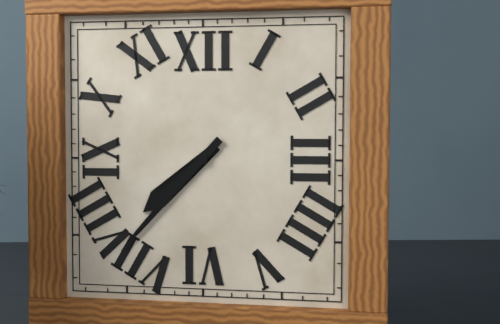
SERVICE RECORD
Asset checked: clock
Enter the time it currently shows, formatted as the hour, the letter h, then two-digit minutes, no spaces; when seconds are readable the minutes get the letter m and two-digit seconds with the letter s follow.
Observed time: 7h37
